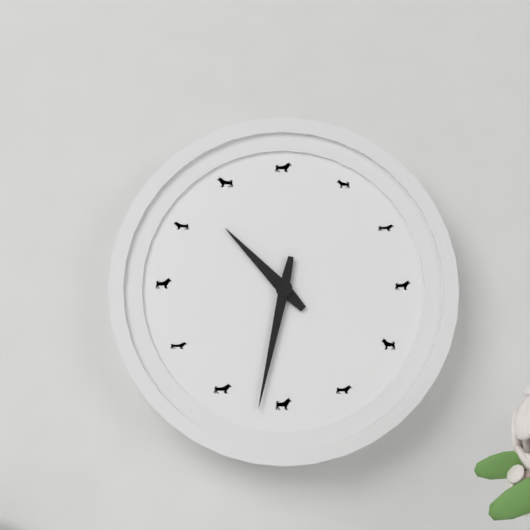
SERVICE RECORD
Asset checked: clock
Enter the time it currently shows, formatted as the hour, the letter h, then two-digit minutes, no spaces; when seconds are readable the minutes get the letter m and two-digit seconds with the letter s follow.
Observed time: 10h32
